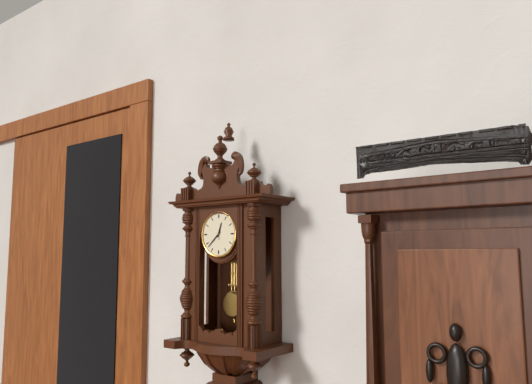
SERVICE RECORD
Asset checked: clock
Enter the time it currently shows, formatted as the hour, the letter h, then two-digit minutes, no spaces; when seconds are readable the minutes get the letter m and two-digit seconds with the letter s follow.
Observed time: 12h38
